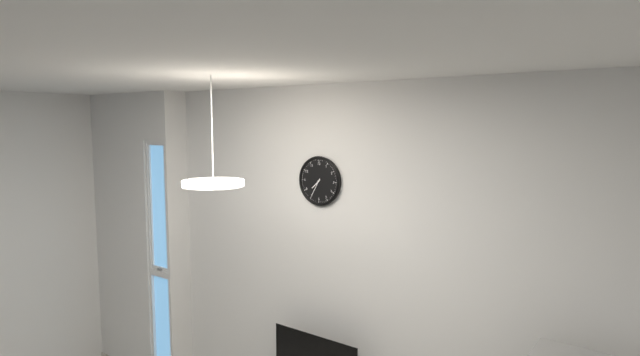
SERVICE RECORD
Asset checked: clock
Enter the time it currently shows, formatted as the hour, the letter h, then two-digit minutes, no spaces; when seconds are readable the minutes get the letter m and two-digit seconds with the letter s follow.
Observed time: 7h35
